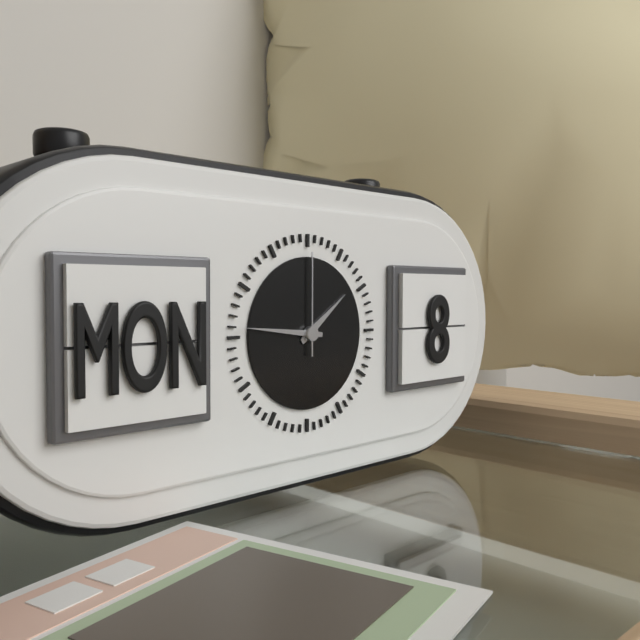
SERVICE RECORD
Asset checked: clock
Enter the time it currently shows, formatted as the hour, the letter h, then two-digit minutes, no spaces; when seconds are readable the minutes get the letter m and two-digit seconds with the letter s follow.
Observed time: 1h46m00s
